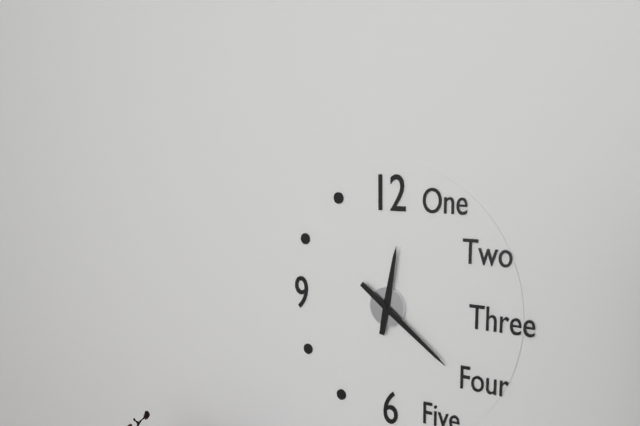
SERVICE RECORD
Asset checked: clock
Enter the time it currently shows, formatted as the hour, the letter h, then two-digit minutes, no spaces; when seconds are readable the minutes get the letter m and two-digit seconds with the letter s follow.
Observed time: 12h21
